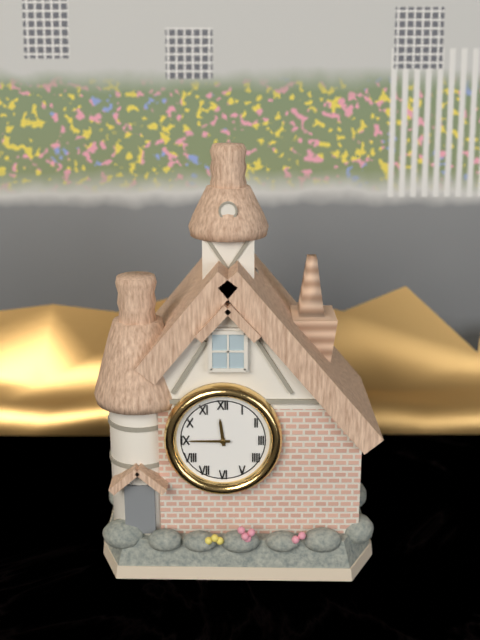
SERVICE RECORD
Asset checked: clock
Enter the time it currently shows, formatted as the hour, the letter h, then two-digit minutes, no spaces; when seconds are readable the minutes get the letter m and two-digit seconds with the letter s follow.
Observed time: 11h45
